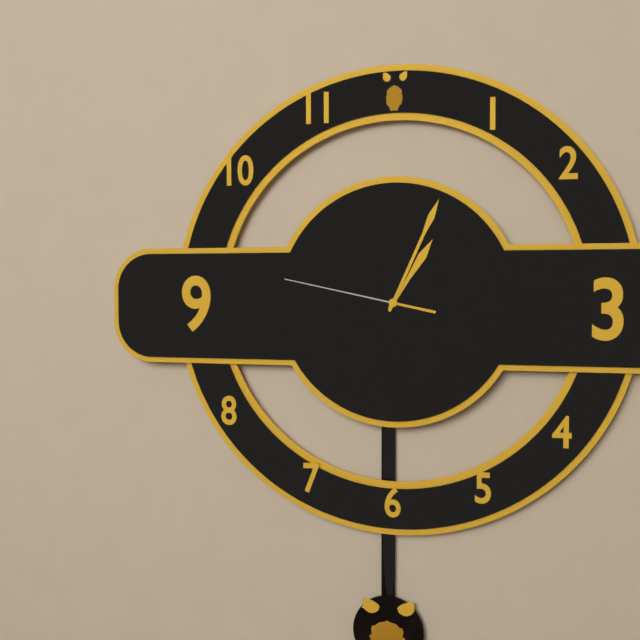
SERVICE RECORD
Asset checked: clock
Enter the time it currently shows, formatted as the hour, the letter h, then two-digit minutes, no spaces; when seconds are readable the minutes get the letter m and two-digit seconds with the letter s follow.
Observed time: 1h04m47s
